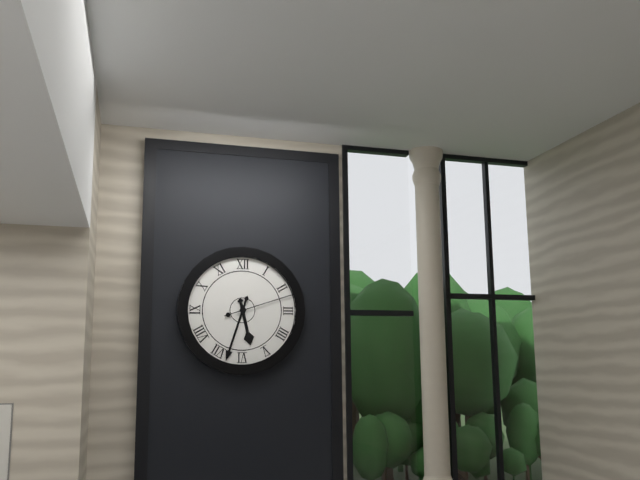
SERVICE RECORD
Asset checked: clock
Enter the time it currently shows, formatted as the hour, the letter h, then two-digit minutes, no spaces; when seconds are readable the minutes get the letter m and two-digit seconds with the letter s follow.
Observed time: 5h33m12s
